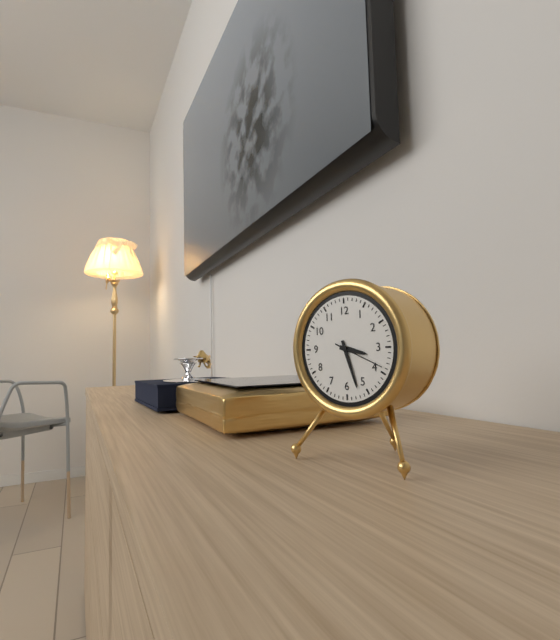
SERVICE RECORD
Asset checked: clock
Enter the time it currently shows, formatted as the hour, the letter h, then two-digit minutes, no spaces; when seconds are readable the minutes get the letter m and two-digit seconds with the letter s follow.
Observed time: 3h27m19s
